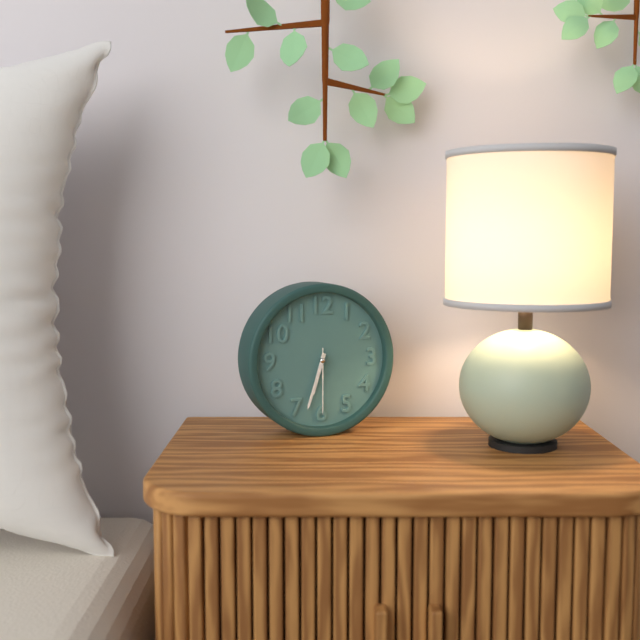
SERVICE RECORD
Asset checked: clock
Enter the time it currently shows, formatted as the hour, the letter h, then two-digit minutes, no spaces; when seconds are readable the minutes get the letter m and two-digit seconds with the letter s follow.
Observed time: 6h33m30s
